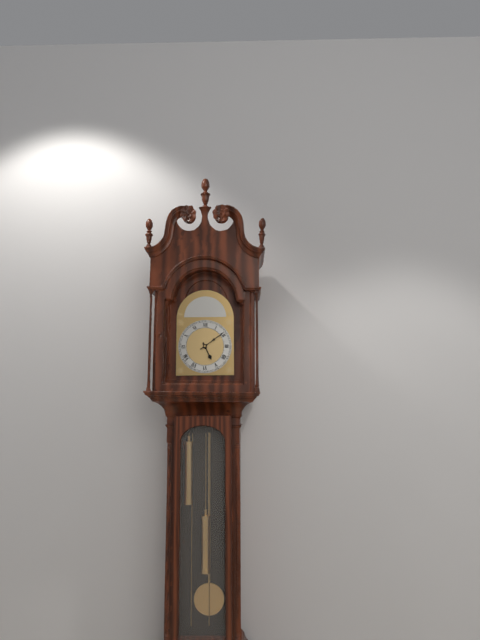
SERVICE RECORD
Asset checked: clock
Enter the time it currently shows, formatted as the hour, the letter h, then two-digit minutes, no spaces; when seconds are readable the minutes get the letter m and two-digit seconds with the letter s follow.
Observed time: 5h09
